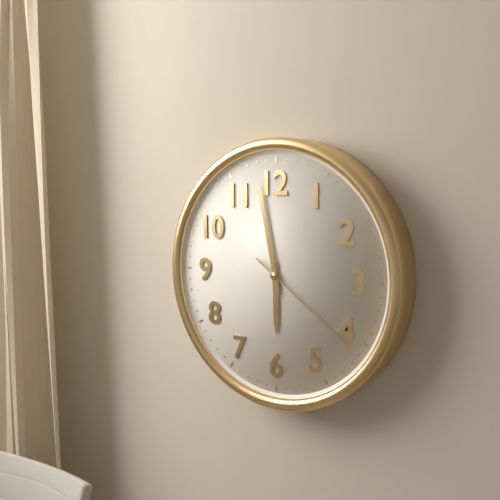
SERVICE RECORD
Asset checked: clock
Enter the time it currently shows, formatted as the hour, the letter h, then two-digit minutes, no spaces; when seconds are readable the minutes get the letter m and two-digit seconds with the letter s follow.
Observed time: 5h58m21s
